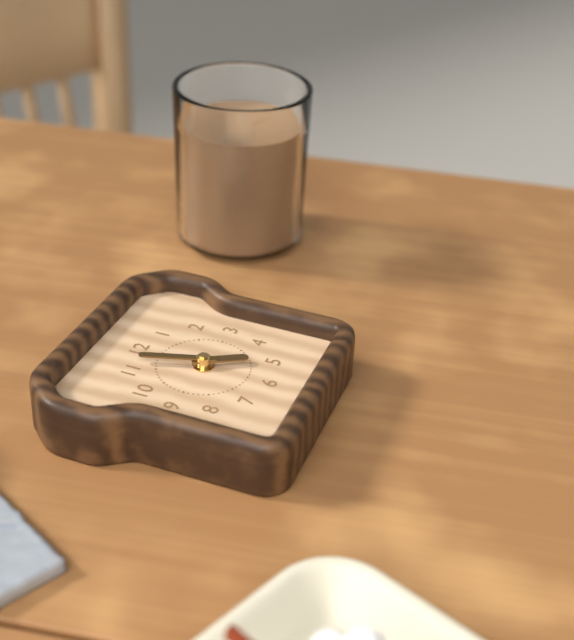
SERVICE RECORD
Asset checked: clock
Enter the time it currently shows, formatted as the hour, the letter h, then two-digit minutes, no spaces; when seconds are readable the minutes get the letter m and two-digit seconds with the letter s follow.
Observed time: 4h57
